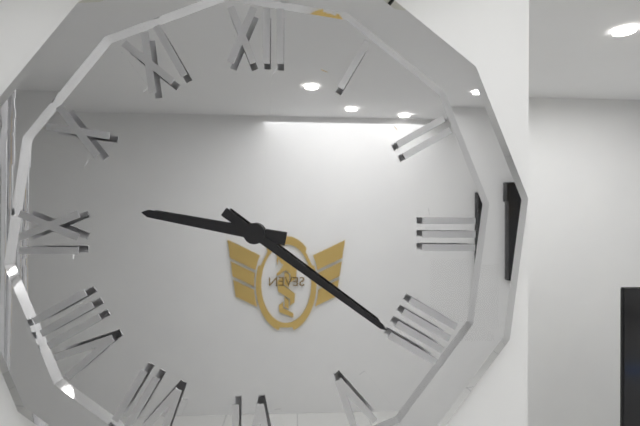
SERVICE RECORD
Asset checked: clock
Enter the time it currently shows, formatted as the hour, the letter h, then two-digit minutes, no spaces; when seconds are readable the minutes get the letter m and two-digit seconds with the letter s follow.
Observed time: 9h21
